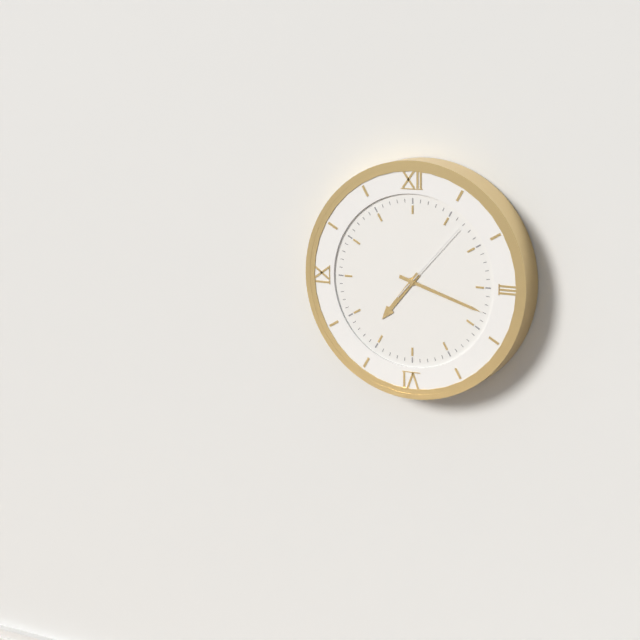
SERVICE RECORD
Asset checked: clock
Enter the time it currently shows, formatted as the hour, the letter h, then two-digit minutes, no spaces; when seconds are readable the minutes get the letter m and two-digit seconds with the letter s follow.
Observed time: 7h18m07s
